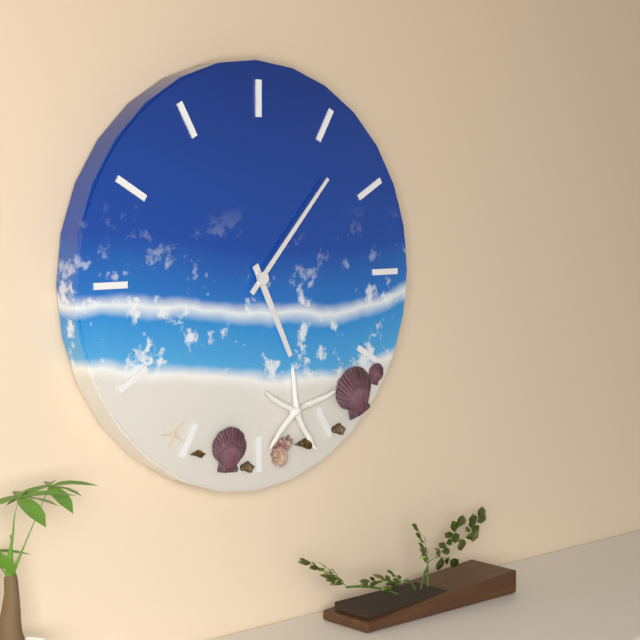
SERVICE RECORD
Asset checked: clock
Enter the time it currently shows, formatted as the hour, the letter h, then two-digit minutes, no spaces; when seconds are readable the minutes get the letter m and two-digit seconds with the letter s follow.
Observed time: 5h07
